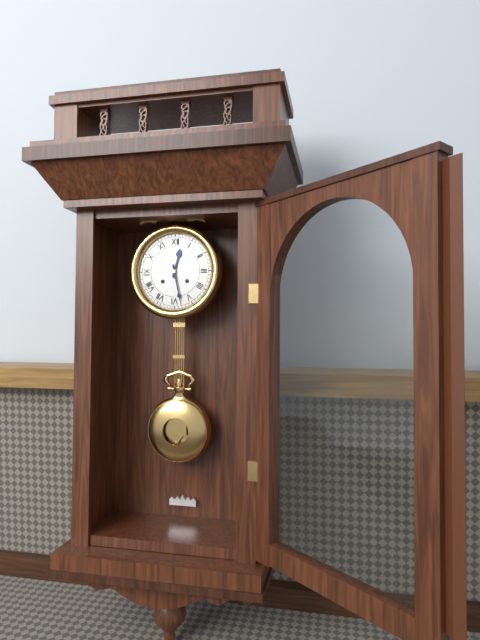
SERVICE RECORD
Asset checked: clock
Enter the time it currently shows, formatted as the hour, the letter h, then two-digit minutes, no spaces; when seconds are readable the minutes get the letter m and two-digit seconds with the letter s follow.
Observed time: 12h28
